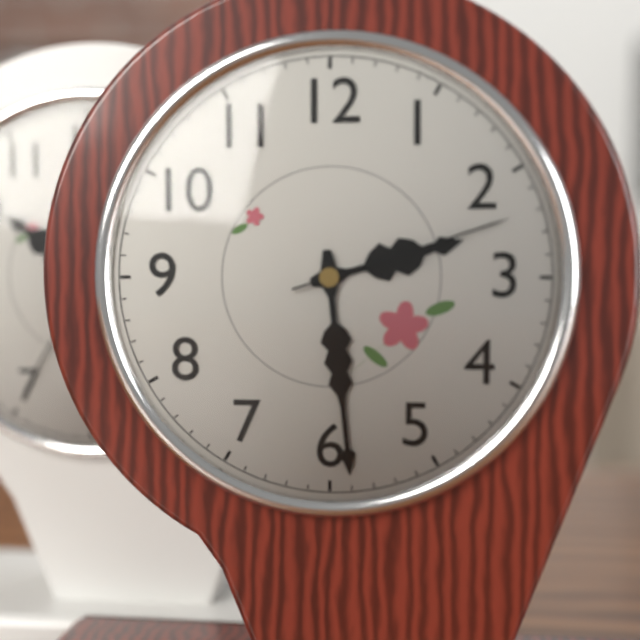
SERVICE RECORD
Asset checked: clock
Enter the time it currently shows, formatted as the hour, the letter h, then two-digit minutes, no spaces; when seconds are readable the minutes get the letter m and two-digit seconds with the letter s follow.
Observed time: 2h29m12s
